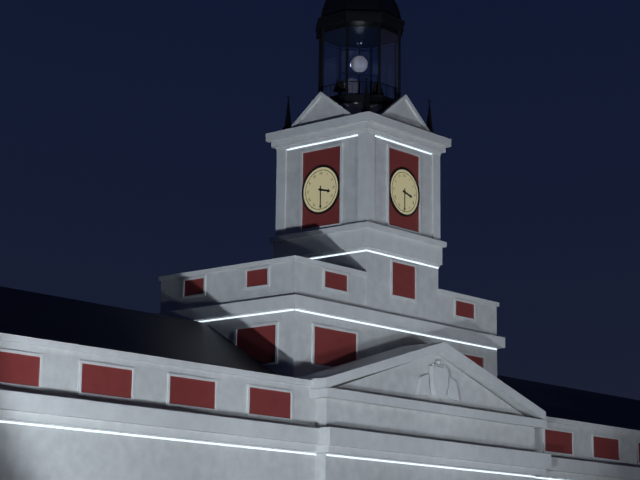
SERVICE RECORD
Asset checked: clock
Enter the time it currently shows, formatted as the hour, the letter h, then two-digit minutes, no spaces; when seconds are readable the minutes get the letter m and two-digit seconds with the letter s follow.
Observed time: 3h30
